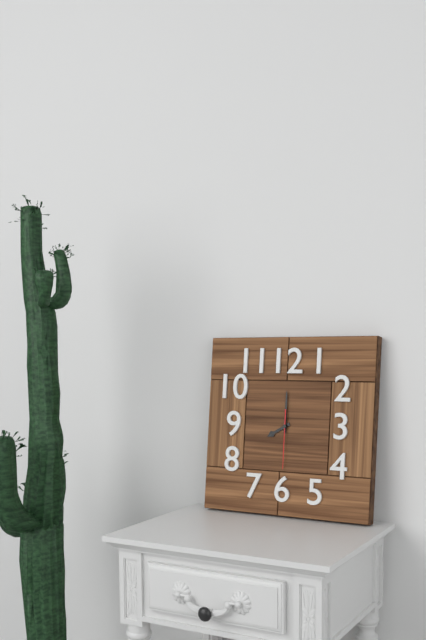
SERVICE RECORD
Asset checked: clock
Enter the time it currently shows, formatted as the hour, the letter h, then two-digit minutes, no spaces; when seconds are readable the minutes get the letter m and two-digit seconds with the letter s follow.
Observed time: 8h00m30s
